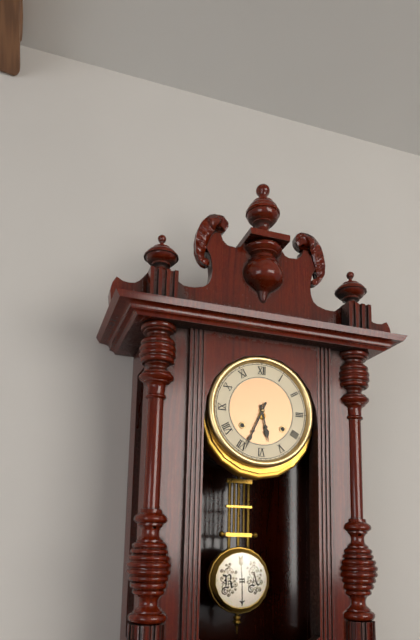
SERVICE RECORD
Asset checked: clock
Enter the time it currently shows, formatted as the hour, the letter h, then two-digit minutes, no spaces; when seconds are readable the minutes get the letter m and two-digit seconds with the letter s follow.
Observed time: 5h34
